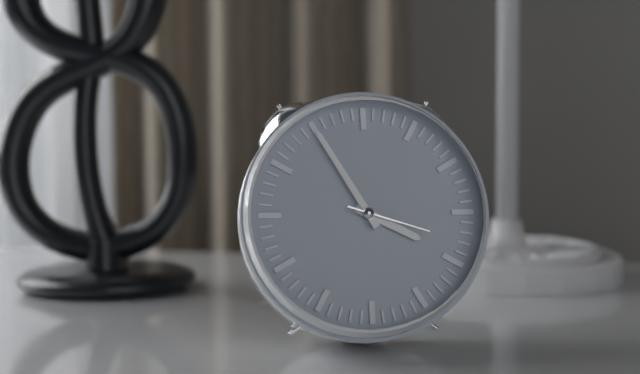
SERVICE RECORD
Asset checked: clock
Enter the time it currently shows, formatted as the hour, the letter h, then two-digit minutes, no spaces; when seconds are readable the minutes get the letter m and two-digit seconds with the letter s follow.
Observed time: 3h55m18s
